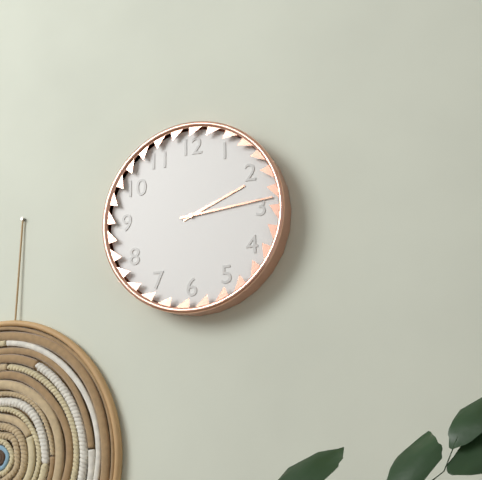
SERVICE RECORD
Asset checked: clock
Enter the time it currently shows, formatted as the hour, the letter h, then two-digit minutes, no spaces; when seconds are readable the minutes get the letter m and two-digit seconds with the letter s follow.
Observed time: 2h14
